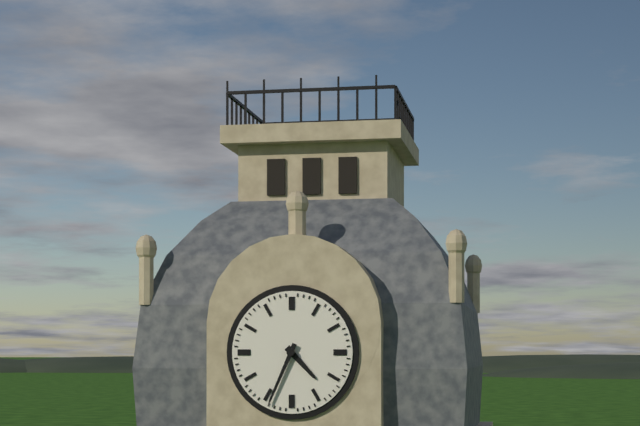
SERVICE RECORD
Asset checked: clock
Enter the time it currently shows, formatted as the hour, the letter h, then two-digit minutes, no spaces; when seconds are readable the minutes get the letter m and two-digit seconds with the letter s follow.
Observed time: 4h34
